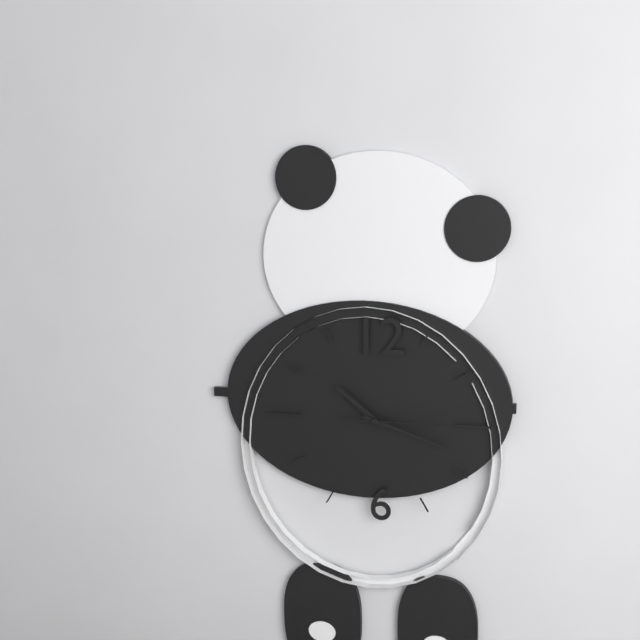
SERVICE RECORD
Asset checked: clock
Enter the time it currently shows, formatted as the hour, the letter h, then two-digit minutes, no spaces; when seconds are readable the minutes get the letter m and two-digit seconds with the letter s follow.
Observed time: 10h18m15s
